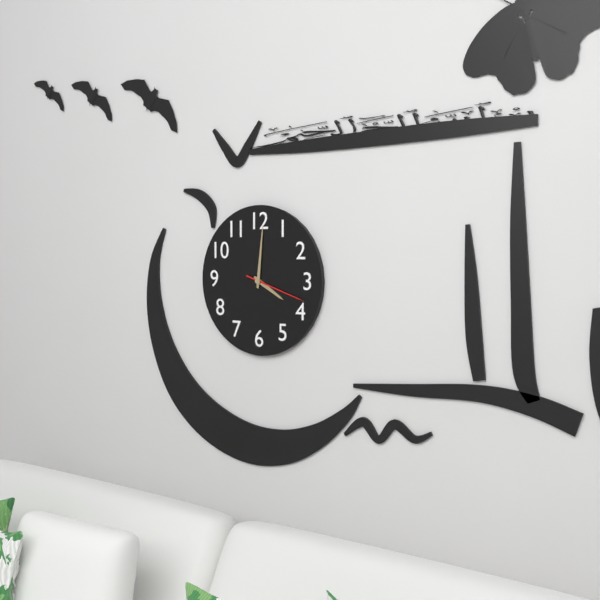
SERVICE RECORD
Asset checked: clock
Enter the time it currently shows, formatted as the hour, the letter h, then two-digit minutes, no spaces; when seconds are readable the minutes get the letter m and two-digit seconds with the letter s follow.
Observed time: 4h01m18s
